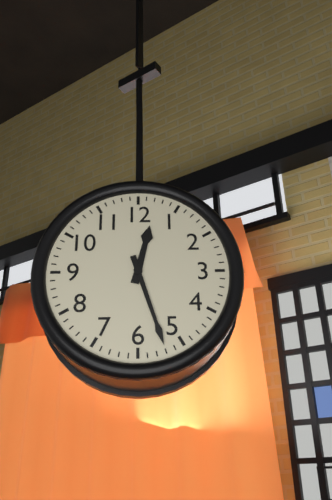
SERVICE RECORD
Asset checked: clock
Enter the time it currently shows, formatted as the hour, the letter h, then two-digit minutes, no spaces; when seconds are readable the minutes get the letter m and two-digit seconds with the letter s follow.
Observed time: 12h27
